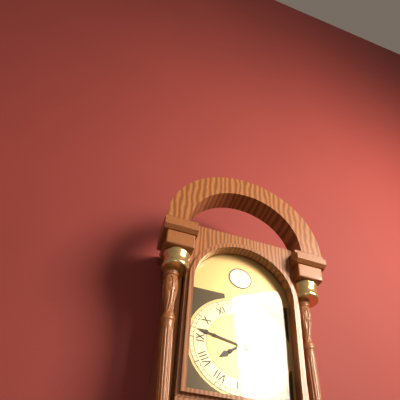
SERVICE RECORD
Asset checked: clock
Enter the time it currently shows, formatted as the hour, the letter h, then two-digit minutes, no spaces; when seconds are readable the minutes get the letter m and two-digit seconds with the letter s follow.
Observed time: 7h47
